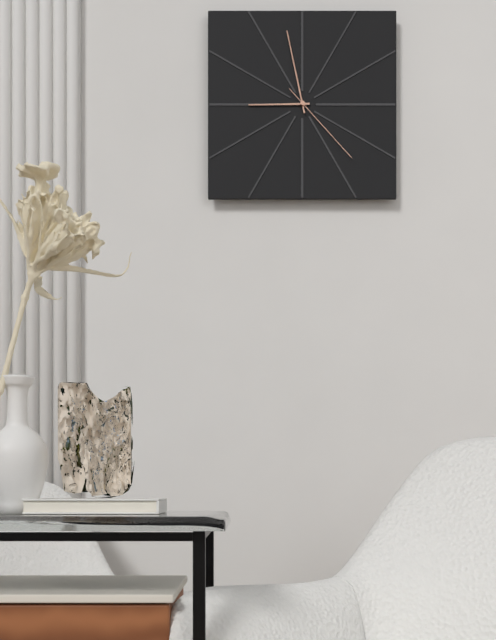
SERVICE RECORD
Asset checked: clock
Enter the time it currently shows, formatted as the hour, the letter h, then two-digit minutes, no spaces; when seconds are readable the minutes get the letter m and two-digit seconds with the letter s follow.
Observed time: 8h58m23s
